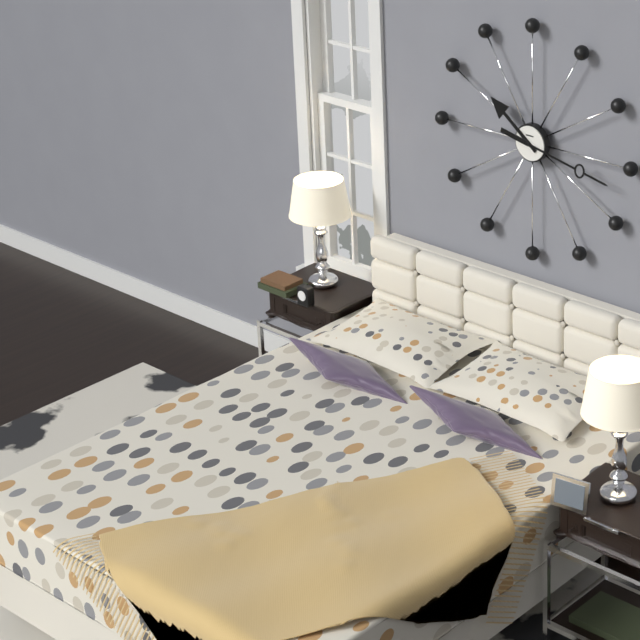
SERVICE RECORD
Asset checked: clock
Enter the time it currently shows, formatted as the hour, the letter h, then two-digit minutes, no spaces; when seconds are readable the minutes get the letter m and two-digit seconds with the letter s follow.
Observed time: 10h17
